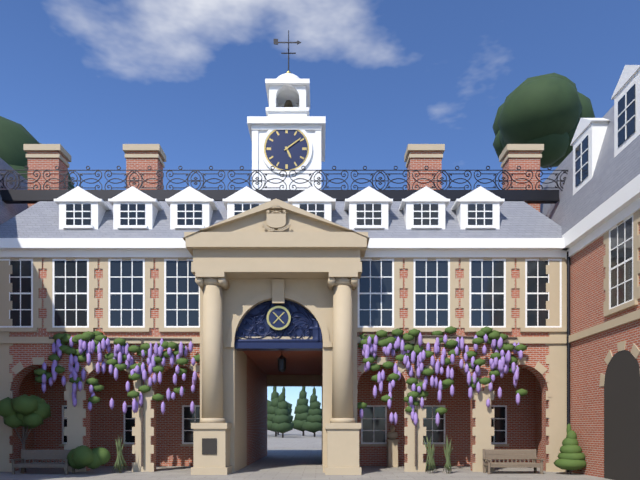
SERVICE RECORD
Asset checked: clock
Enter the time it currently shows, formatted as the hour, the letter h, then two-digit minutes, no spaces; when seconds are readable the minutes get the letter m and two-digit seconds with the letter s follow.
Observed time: 5h09
